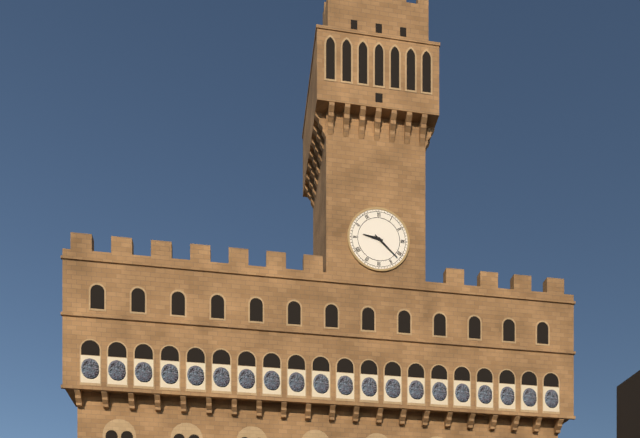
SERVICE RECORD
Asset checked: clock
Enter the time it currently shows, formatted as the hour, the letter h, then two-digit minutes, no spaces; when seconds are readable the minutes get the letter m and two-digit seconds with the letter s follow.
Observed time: 9h22
